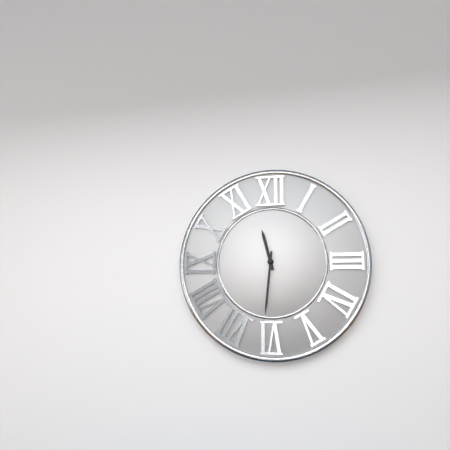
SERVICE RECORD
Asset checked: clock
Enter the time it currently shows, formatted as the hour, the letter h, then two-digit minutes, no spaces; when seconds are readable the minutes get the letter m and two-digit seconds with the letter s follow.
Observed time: 11h31
